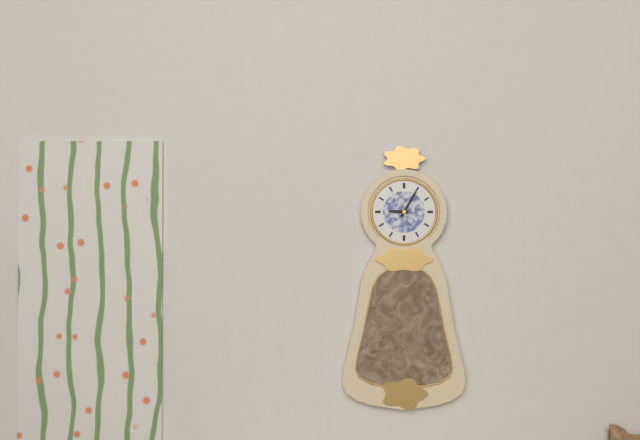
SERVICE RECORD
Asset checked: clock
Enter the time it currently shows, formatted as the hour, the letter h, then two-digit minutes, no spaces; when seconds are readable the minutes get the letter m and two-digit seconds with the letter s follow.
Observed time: 9h05
